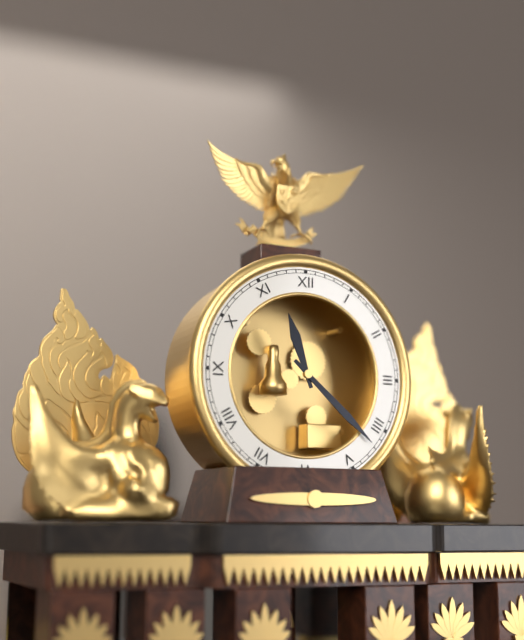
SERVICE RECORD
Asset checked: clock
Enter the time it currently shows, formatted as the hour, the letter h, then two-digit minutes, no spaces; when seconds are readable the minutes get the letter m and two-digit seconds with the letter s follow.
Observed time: 11h22
